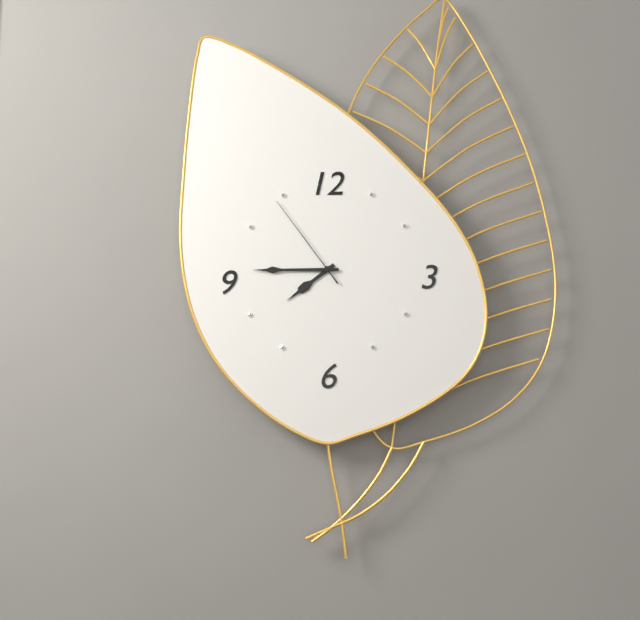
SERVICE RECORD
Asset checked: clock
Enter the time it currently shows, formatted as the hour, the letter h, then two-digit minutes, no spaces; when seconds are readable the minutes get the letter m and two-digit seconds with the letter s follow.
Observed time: 7h45m54s
